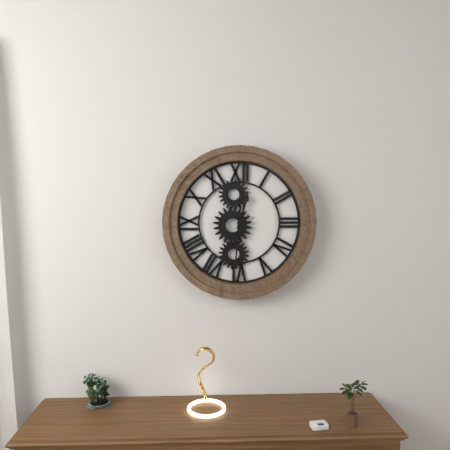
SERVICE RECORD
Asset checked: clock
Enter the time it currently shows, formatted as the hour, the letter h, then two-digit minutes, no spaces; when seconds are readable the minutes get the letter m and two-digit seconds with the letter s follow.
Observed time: 12h31
